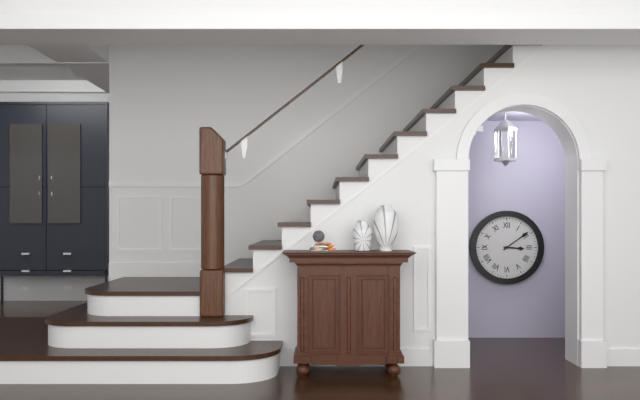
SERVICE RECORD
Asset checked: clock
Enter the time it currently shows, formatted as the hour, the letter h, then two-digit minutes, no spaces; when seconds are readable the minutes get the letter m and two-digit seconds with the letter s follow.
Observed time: 3h09
